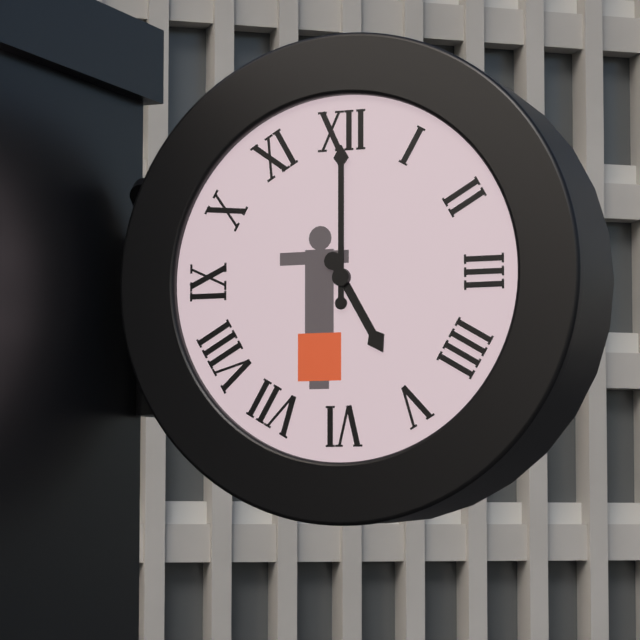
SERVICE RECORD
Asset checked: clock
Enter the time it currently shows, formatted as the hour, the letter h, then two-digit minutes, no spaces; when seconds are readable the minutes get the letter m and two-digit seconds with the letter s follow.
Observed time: 5h00
